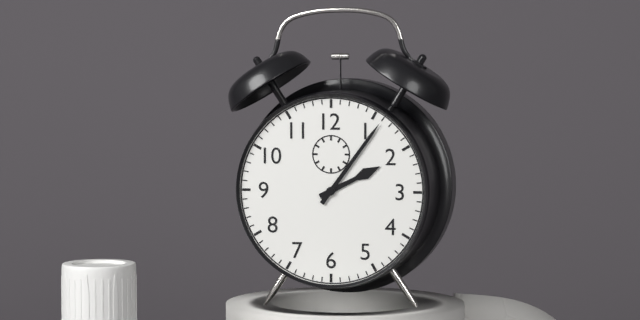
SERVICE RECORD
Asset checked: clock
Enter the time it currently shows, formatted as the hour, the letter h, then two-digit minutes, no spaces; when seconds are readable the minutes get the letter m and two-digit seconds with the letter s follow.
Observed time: 2h06
